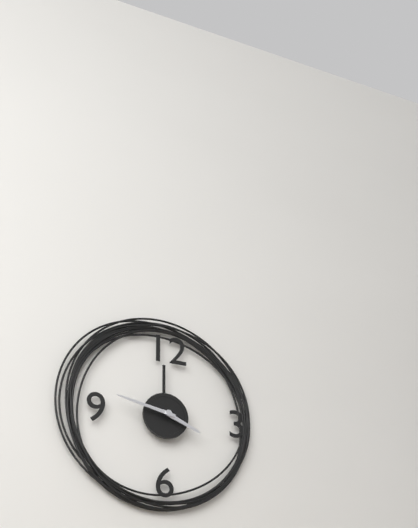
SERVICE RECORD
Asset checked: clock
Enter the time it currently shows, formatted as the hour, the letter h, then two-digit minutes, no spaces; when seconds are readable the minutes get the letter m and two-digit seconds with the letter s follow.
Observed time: 3h47
